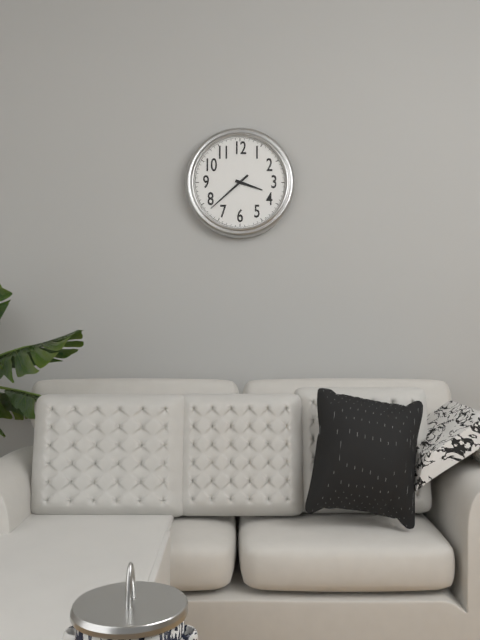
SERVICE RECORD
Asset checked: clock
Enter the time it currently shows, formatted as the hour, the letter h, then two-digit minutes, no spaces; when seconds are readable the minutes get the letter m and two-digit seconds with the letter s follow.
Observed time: 3h38
